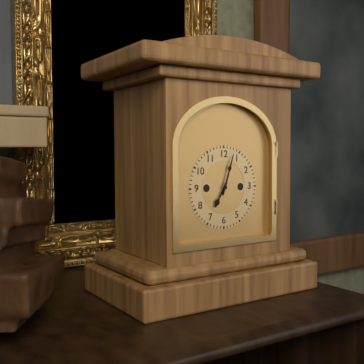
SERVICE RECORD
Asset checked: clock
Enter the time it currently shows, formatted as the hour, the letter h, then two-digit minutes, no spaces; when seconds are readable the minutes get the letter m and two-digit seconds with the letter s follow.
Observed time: 7h03
